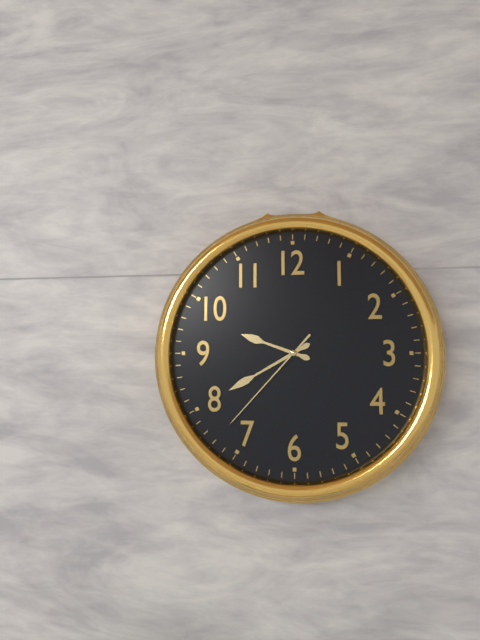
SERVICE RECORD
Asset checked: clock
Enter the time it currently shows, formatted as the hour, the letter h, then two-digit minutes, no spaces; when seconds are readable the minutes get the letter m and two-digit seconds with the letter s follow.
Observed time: 9h40m37s
